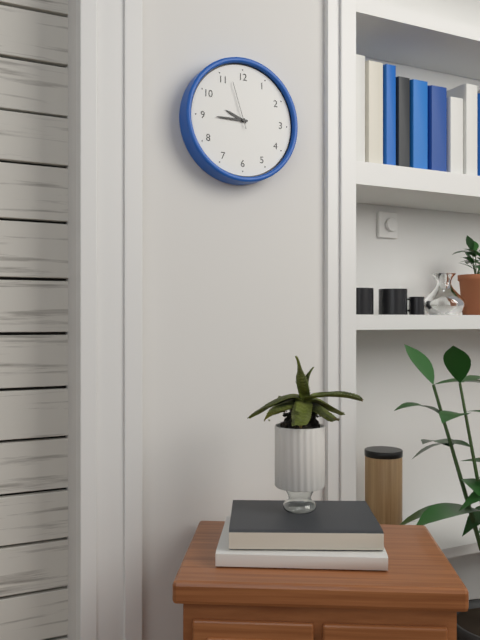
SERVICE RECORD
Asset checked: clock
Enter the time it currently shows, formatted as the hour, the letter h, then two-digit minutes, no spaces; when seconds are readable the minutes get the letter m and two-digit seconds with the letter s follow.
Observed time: 9h45
